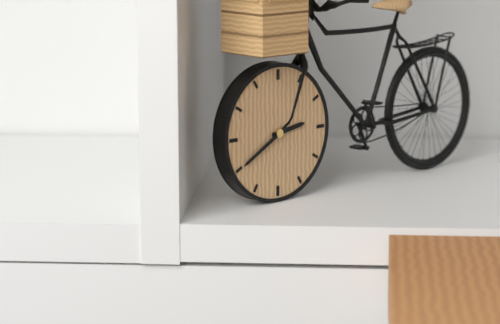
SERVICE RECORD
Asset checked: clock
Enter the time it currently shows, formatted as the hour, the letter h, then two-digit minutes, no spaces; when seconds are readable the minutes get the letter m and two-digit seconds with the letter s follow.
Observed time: 2h40
